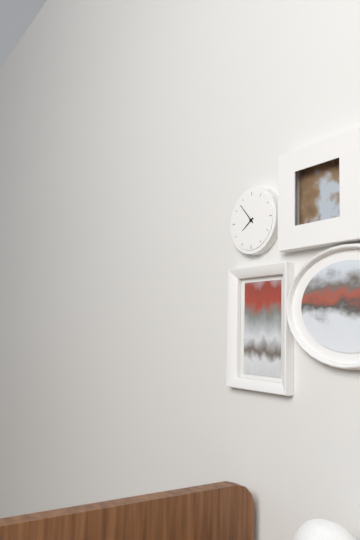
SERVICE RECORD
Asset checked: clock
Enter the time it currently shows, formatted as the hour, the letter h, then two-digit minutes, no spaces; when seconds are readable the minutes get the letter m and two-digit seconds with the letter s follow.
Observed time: 7h53
